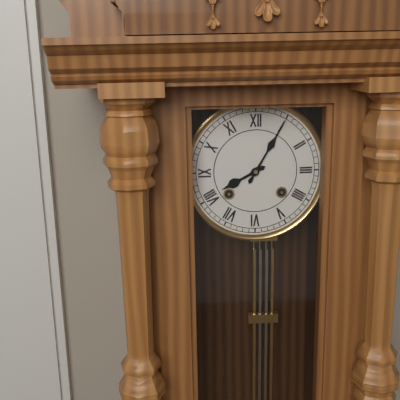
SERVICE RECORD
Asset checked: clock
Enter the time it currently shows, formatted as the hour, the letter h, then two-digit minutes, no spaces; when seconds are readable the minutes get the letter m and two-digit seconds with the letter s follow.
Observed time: 8h05
